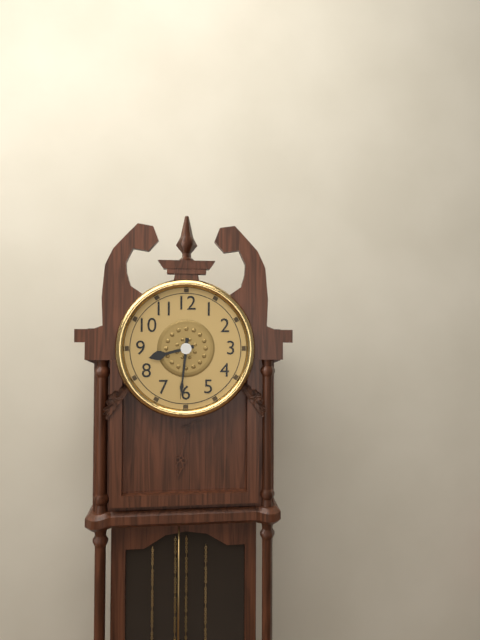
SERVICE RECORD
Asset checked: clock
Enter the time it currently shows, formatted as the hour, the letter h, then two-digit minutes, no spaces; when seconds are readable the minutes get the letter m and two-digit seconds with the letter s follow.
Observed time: 8h31
